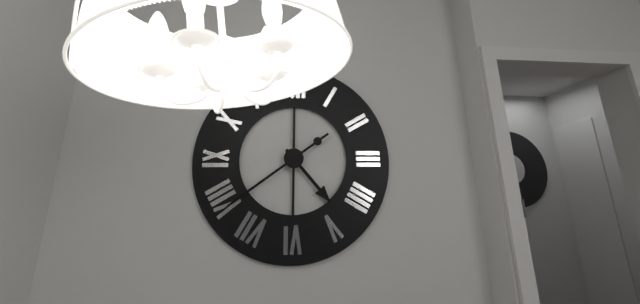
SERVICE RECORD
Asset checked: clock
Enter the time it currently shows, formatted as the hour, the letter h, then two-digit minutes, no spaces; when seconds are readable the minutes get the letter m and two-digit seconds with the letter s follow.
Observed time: 4h39
